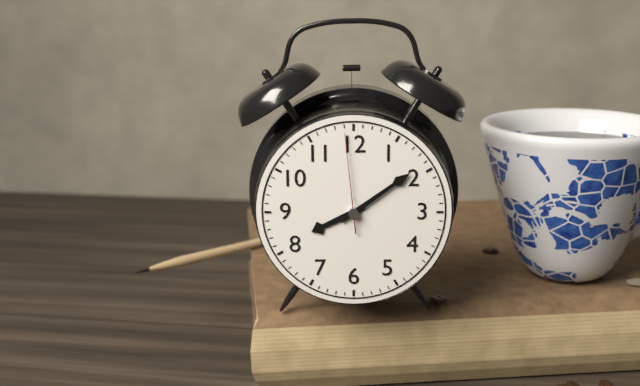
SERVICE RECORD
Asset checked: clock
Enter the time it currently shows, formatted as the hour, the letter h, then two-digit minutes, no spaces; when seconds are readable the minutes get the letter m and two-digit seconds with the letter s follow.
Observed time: 8h09m59s
